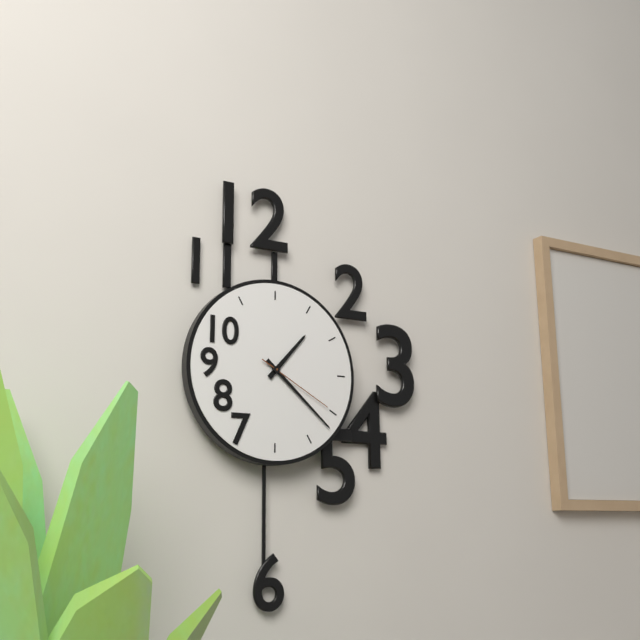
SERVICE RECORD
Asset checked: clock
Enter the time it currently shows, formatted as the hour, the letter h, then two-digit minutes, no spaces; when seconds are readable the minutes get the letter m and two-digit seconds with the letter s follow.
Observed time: 1h22m20s
